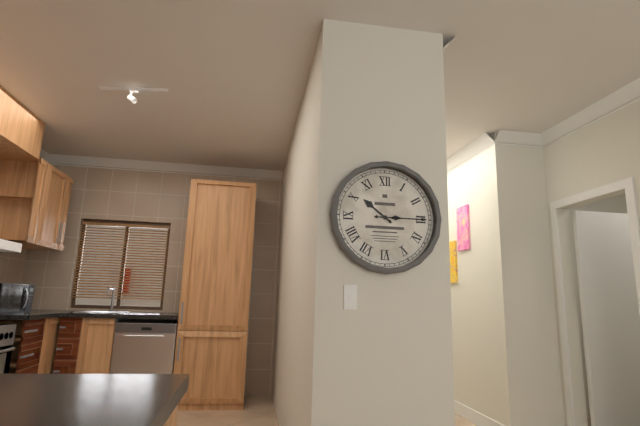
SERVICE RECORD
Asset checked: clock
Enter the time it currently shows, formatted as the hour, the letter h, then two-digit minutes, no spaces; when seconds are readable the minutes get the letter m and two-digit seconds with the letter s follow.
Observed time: 10h15
